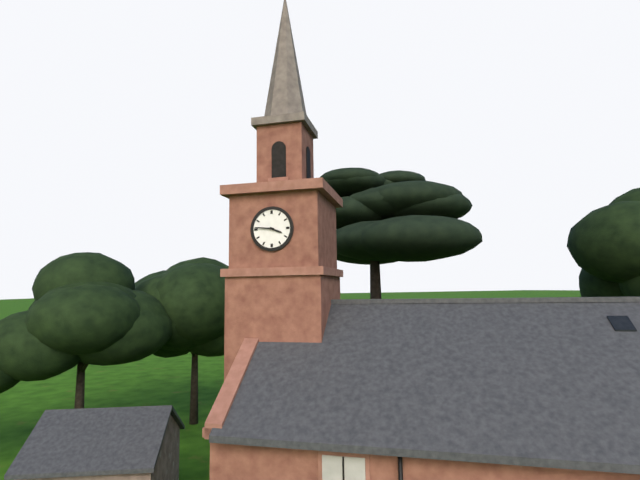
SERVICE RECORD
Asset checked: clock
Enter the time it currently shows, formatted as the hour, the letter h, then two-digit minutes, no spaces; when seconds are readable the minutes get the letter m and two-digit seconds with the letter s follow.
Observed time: 3h46
